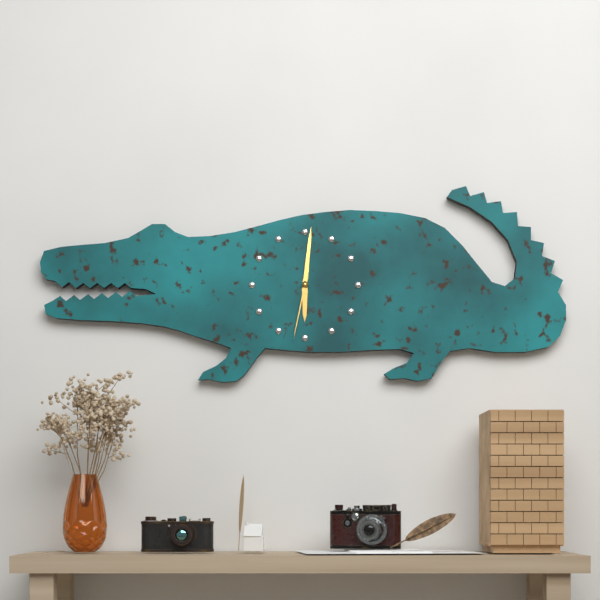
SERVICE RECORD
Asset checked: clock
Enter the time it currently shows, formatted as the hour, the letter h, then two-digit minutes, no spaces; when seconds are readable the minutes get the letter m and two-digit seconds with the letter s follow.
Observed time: 6h01m32s
